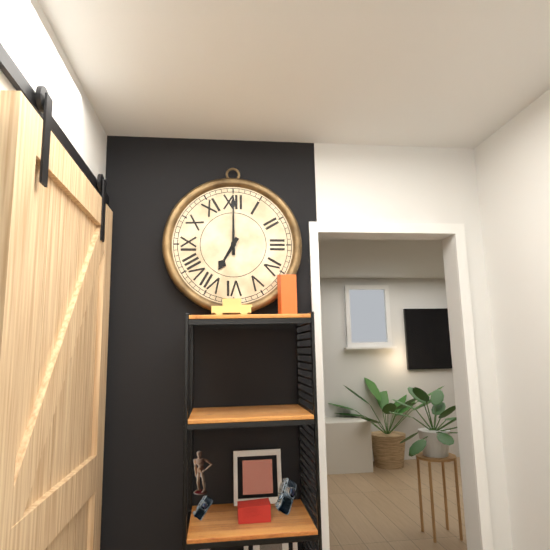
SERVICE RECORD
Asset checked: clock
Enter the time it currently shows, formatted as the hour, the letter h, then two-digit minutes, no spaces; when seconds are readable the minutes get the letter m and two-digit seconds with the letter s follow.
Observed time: 7h00
